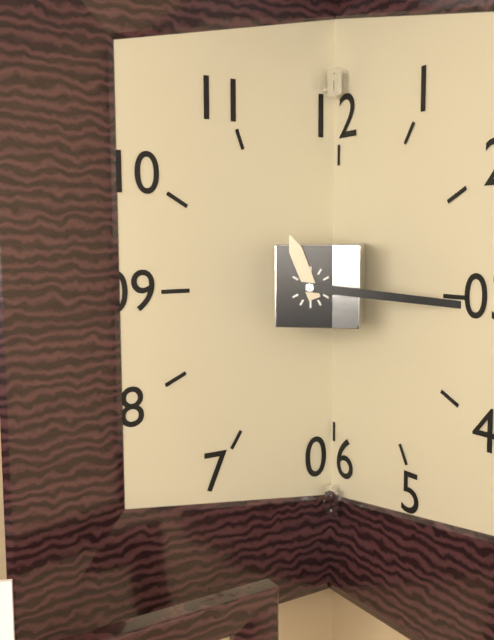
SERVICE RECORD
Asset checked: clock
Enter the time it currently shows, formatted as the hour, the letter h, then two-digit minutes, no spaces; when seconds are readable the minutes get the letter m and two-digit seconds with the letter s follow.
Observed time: 11h16
